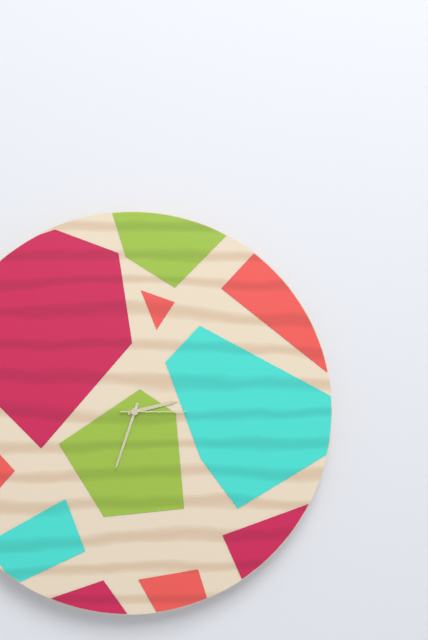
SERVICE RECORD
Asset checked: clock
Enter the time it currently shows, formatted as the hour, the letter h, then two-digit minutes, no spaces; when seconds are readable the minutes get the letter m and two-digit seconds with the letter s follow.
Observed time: 2h33m15s
